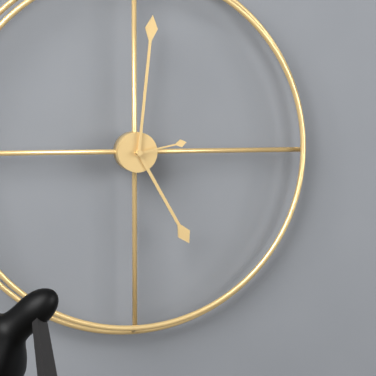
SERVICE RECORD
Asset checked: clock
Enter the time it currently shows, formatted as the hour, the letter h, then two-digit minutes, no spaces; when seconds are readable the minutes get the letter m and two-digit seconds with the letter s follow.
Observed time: 5h01m13s
